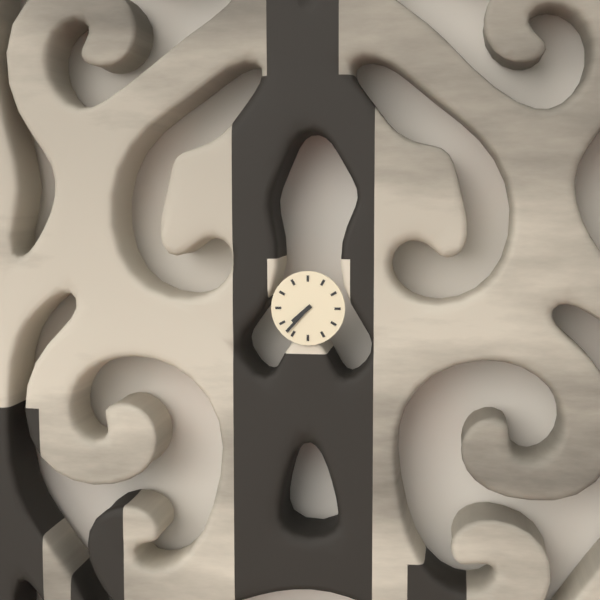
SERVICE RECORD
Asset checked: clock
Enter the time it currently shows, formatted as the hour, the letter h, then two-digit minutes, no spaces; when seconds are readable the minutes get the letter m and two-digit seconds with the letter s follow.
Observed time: 7h37
